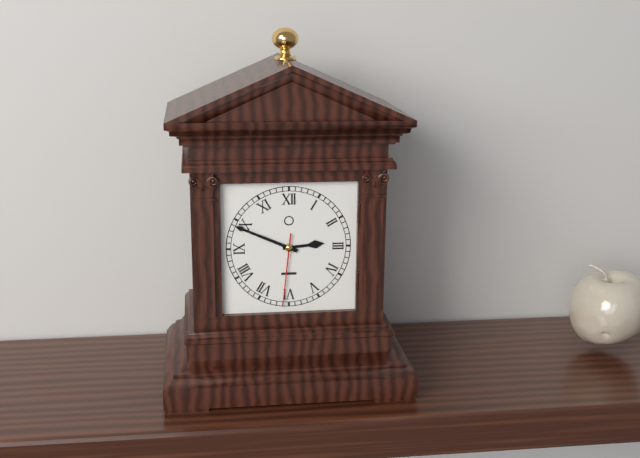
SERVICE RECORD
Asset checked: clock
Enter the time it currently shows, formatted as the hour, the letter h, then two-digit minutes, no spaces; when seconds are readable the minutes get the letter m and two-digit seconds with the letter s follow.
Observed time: 2h49m31s
